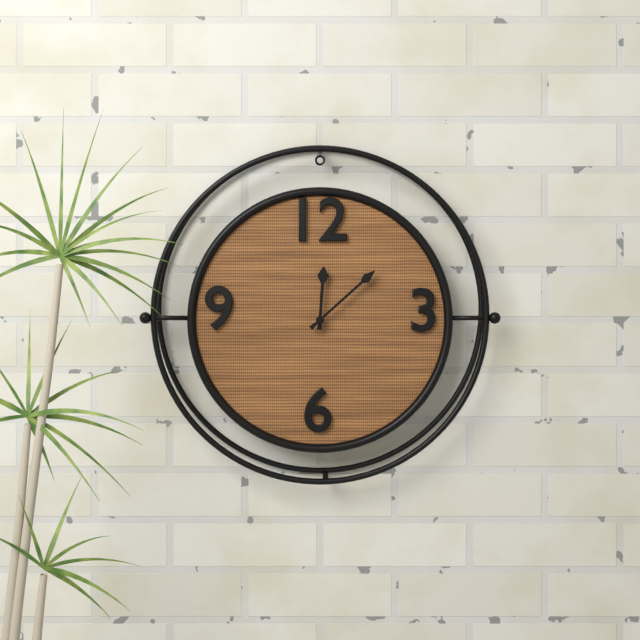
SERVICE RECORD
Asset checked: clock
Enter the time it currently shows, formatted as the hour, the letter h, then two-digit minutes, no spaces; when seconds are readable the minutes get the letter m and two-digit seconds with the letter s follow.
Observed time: 12h08
